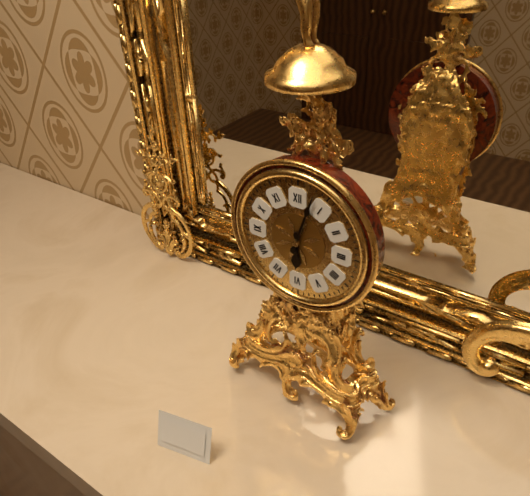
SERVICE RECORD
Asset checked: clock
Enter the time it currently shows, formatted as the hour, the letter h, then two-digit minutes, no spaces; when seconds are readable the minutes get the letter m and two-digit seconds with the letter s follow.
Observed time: 6h03
